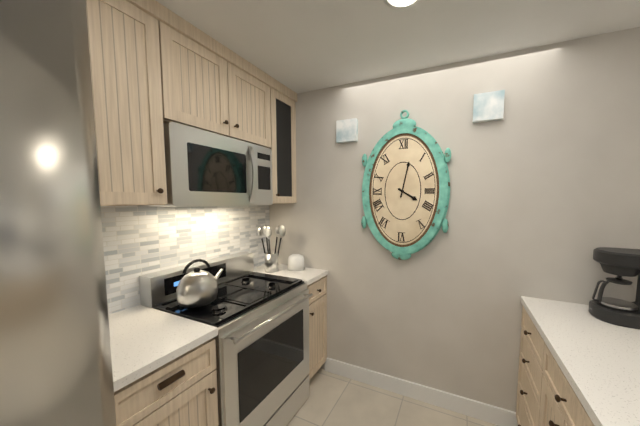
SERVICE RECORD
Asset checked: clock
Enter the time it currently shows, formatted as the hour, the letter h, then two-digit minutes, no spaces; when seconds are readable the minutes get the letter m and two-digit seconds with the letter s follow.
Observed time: 4h02
